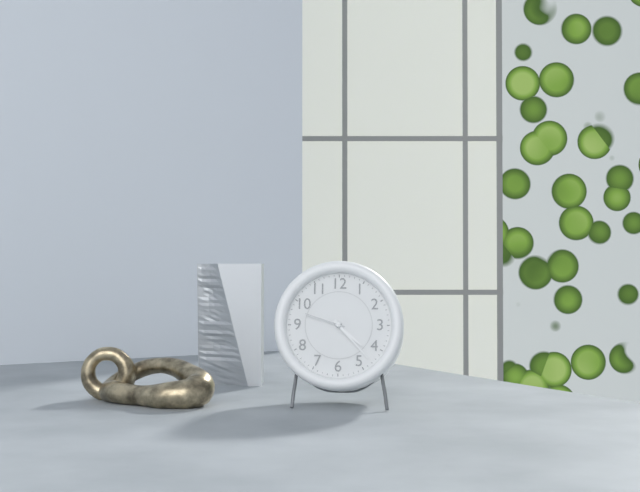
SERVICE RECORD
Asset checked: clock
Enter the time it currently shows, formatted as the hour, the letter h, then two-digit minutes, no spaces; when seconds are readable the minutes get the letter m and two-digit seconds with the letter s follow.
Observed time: 4h23
